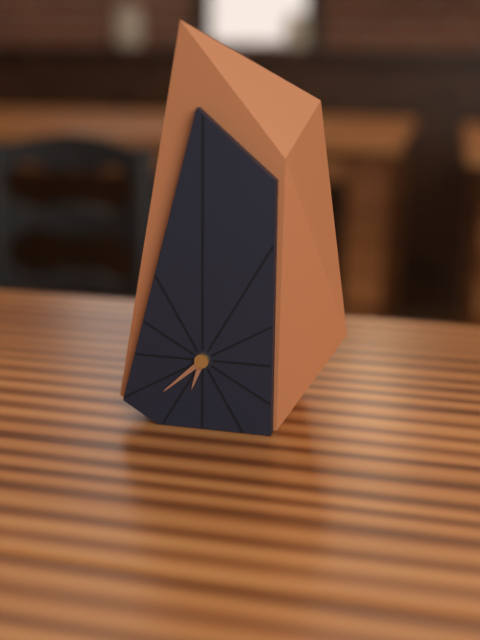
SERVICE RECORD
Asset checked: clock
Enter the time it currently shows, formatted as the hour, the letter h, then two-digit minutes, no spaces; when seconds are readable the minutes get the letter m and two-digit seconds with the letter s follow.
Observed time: 6h38
